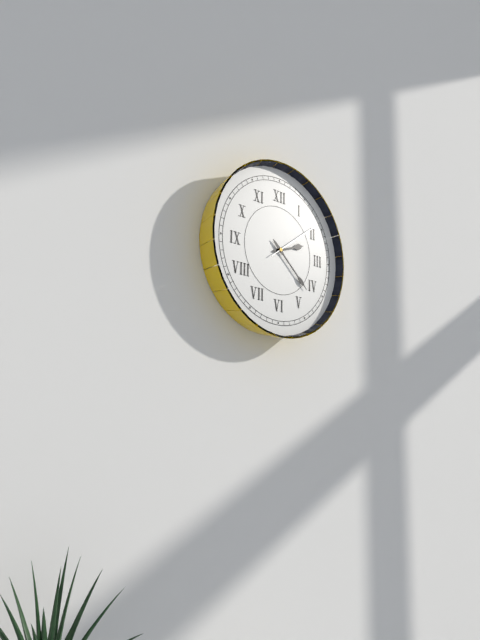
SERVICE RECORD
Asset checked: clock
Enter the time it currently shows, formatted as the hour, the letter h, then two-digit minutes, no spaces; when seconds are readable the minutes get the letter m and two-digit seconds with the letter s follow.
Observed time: 2h22m09s
